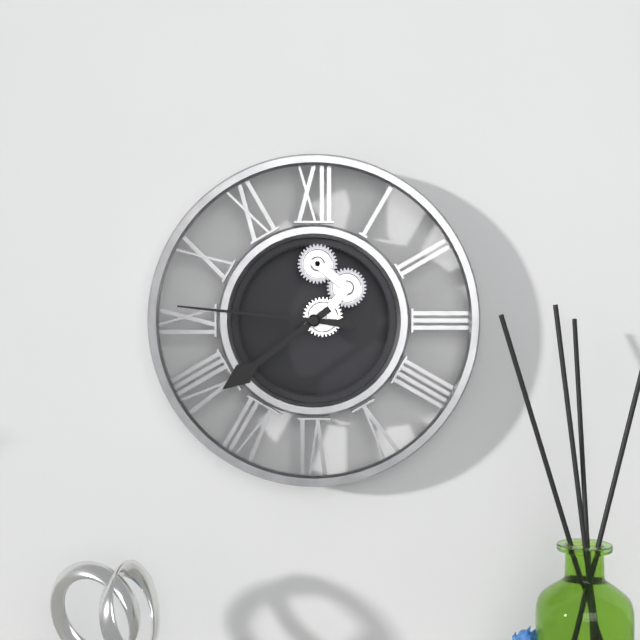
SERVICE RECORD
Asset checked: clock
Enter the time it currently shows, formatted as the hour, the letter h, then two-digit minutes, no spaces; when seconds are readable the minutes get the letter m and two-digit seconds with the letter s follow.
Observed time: 7h46
